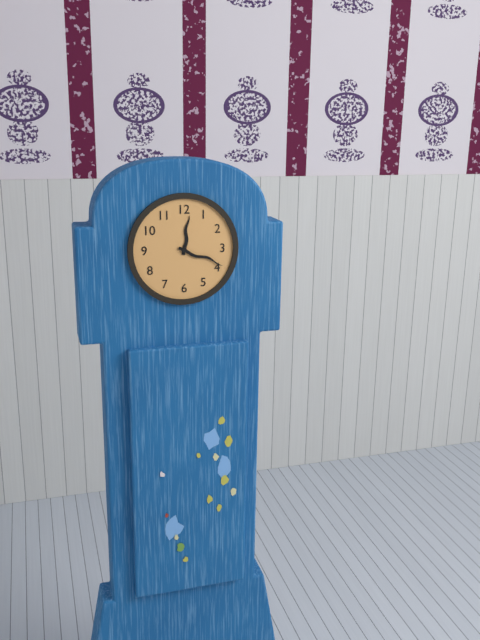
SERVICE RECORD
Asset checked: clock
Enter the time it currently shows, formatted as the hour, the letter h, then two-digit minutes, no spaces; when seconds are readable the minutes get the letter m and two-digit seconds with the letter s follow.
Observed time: 12h19
